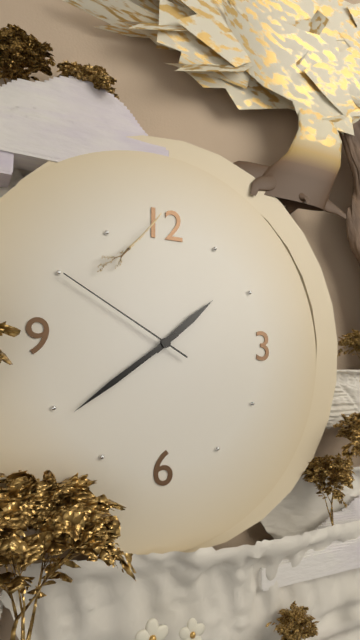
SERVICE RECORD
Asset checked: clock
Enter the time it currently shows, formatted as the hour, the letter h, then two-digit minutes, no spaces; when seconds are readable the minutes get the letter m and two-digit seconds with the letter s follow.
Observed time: 1h39m50s
